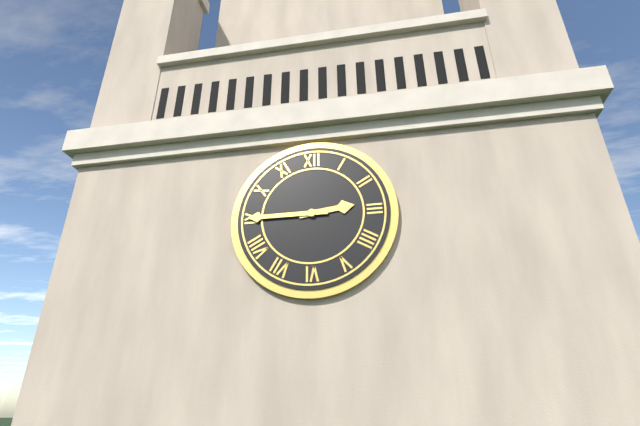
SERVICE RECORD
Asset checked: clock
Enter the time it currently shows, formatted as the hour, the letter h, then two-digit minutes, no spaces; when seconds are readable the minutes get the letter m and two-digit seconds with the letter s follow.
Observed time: 2h45
